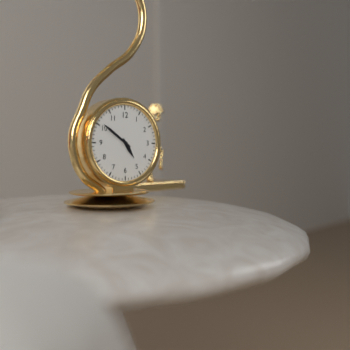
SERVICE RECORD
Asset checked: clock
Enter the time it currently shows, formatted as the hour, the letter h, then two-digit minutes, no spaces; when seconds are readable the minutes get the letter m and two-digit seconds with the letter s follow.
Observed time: 4h51
